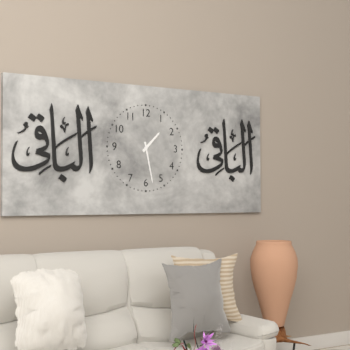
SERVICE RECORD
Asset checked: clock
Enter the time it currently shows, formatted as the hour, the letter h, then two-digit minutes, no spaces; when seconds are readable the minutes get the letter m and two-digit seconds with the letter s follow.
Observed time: 1h28
